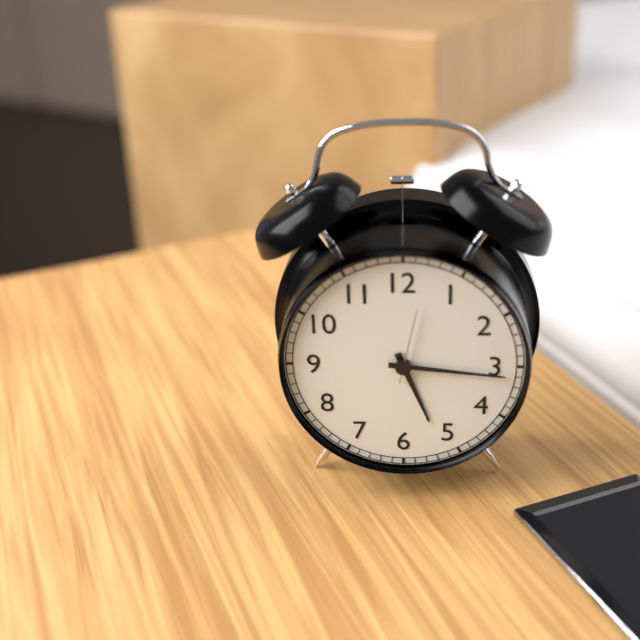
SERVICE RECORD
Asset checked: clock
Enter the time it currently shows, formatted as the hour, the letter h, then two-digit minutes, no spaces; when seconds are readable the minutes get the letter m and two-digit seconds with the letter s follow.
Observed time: 5h16
